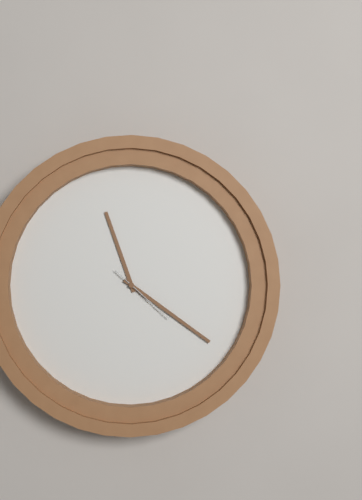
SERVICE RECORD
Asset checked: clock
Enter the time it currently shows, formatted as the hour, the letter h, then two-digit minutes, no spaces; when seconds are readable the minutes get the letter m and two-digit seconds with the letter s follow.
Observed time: 11h21m22s
